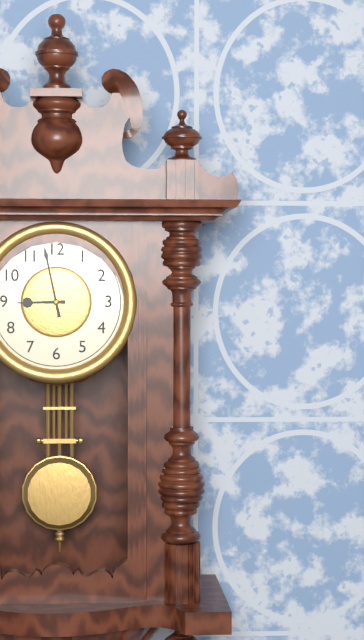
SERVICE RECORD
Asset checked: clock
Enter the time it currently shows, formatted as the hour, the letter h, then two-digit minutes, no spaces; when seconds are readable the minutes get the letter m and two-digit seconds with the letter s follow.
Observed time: 8h58
